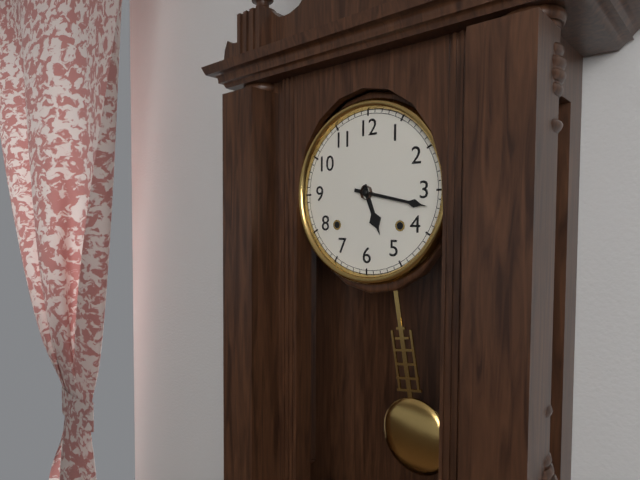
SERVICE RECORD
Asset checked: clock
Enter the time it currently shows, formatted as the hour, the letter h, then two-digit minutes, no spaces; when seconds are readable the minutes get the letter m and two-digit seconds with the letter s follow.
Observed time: 5h17
